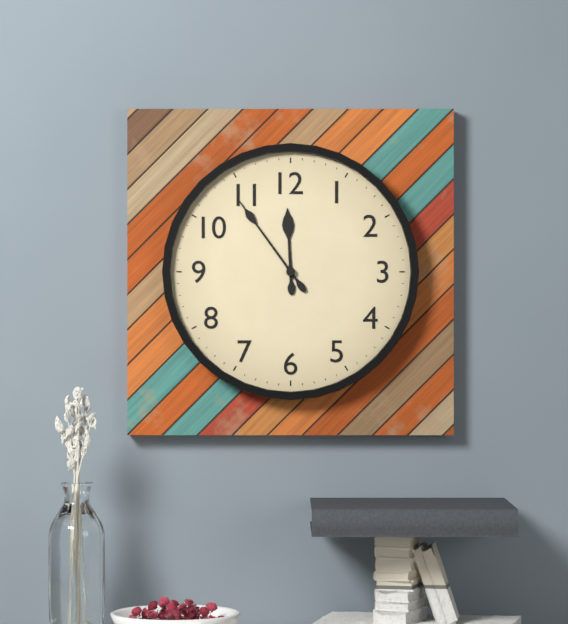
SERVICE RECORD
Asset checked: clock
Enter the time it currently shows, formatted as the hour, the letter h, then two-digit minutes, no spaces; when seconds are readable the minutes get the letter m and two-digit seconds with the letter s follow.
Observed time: 11h54
